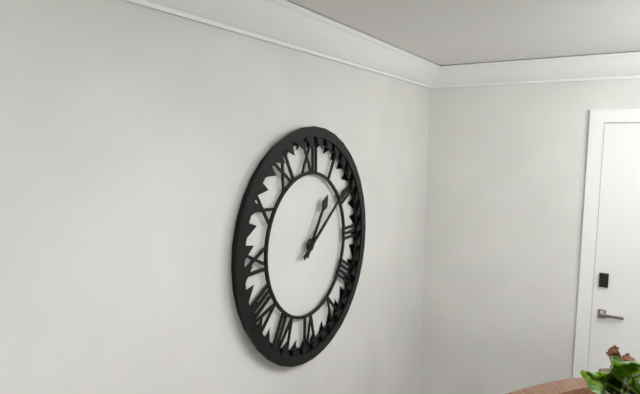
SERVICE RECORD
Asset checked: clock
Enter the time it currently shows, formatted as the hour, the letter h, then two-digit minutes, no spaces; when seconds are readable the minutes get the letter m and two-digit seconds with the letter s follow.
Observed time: 1h09
